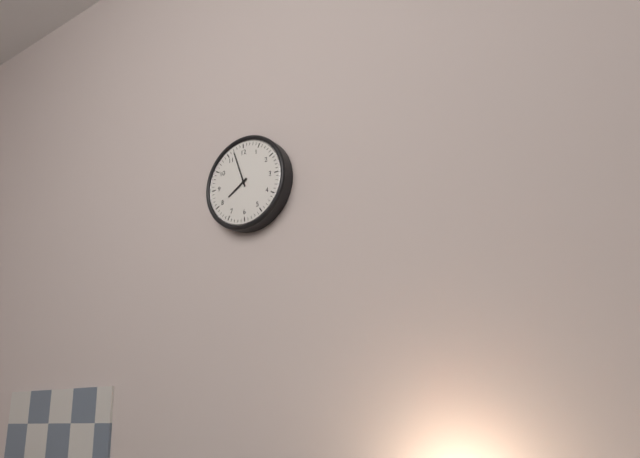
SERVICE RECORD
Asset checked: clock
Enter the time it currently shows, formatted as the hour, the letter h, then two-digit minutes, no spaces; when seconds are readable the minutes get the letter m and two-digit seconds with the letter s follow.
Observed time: 7h57
